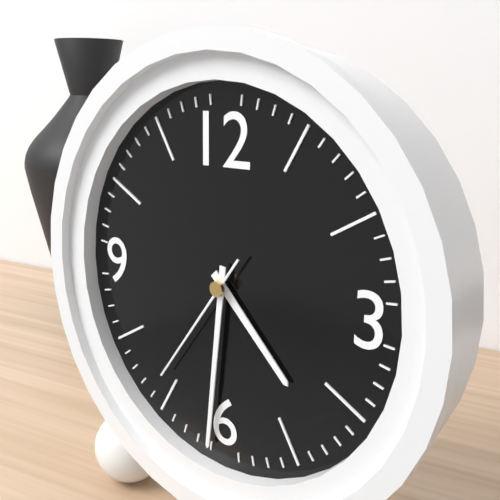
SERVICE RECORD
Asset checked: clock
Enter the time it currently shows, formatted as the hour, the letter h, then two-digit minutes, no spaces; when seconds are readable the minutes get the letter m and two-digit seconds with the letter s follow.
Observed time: 4h31m36s
